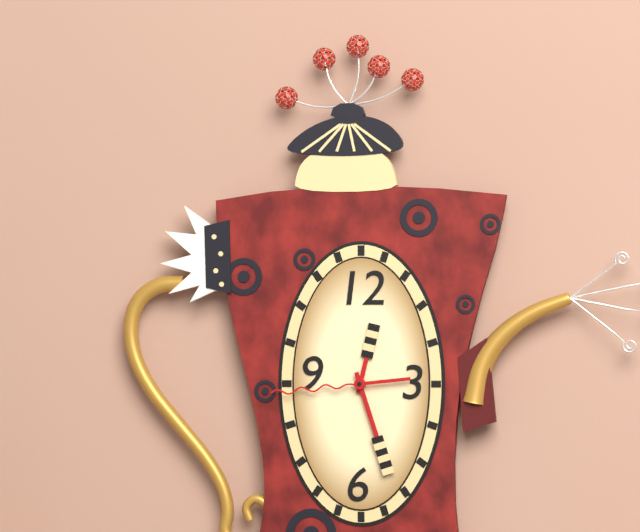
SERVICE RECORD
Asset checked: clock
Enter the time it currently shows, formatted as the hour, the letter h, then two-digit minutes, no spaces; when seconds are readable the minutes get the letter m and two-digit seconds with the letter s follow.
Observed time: 12h27m44s
